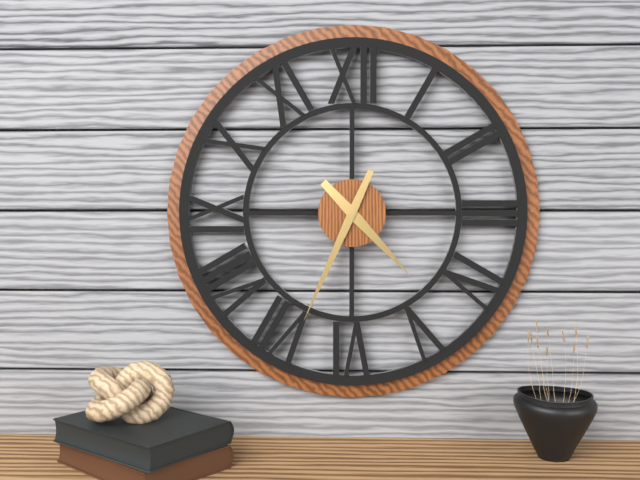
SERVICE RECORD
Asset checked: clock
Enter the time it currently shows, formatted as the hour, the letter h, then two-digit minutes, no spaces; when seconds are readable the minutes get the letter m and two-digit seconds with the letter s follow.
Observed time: 4h34
